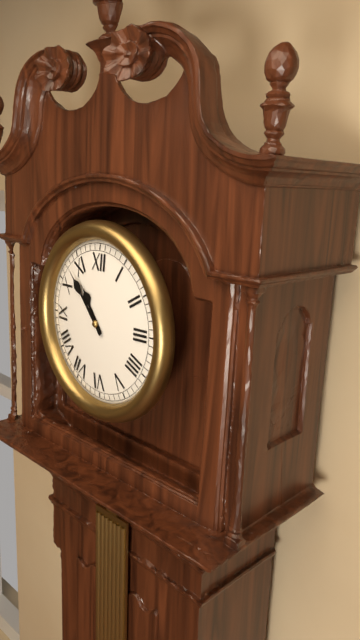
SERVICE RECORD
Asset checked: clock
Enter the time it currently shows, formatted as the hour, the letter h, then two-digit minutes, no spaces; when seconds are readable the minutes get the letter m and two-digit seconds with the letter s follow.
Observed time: 10h53
